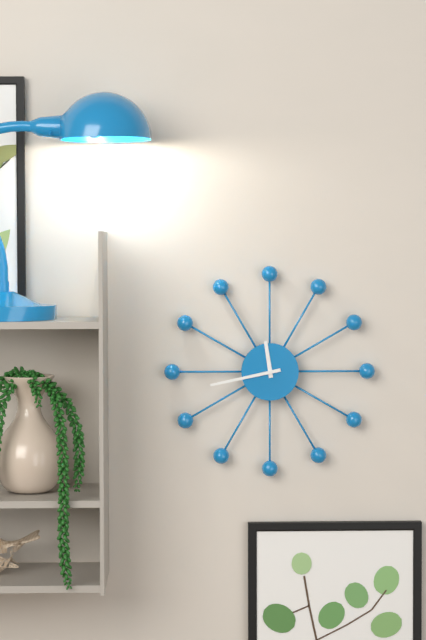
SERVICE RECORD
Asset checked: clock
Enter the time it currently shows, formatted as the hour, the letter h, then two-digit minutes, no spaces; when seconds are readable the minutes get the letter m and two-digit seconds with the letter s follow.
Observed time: 11h43
